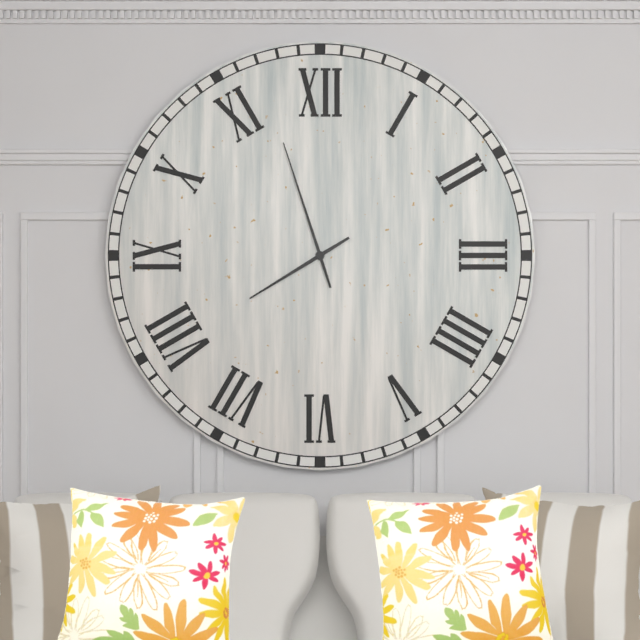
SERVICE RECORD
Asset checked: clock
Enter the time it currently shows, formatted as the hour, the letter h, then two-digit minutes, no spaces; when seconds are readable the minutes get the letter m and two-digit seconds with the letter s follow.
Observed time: 7h57
